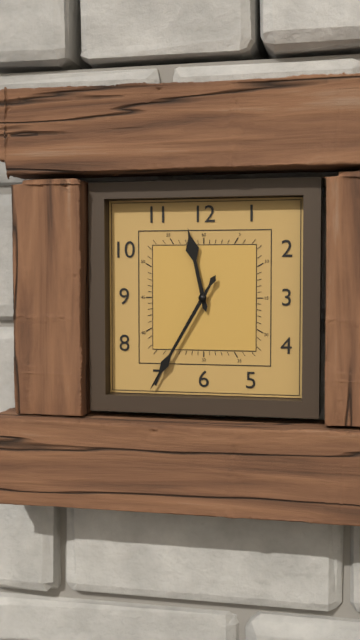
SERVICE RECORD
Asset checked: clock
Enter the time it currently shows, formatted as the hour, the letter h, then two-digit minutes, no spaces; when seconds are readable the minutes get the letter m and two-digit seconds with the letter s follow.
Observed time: 11h35
